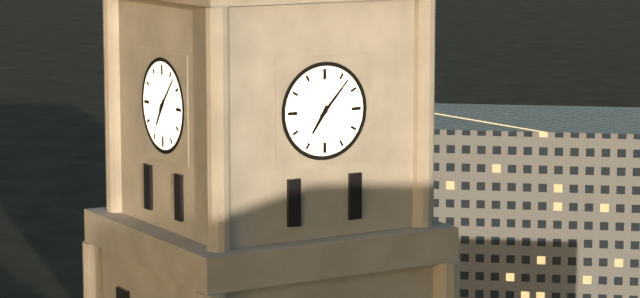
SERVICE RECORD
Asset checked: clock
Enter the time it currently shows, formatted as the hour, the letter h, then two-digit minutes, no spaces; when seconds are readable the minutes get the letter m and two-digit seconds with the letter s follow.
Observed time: 7h07
